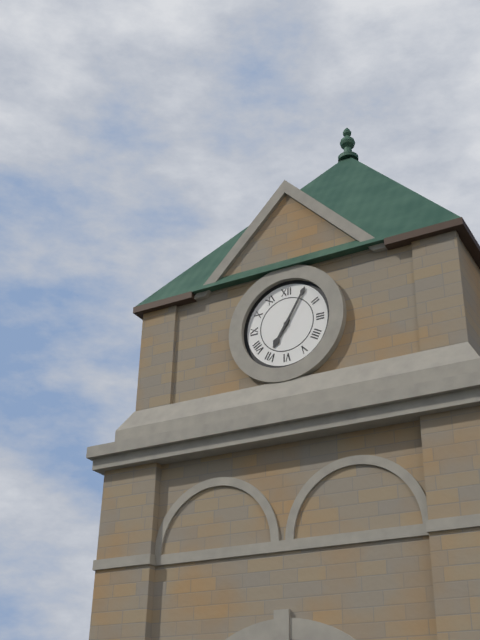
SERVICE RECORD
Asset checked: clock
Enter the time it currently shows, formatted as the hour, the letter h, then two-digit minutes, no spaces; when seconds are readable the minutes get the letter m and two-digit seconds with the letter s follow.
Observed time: 7h05
